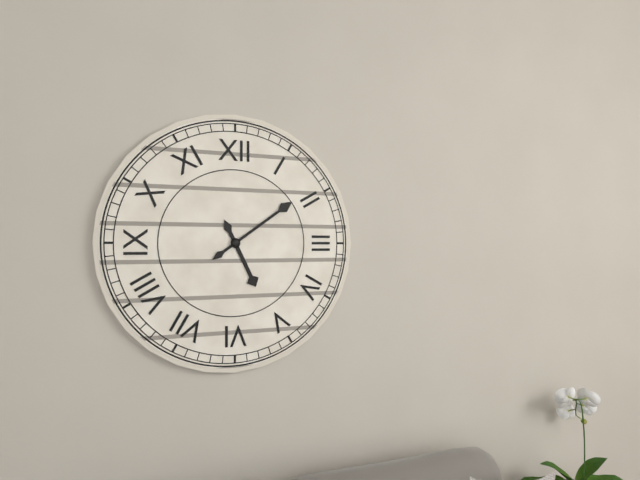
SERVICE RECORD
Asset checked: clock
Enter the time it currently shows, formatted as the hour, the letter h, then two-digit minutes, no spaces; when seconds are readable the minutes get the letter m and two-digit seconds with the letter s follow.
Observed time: 5h09
